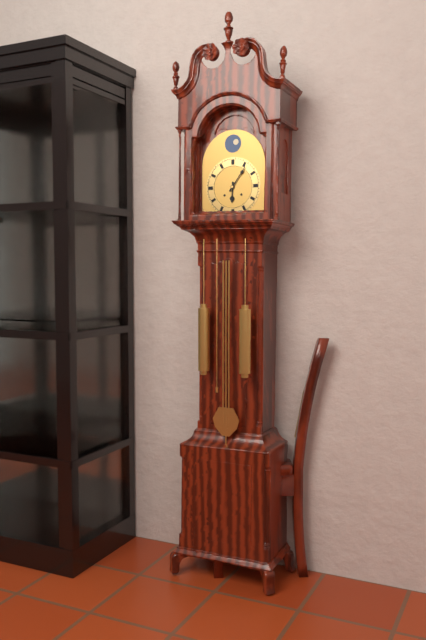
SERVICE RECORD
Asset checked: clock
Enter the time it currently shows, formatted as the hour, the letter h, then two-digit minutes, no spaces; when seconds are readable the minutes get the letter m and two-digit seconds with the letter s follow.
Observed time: 6h06
